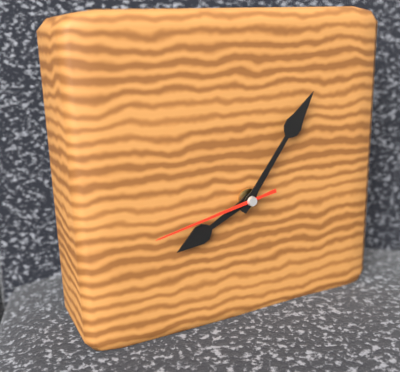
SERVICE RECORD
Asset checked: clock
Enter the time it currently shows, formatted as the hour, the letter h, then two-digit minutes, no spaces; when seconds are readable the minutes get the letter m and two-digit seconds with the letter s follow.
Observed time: 8h06m43s
